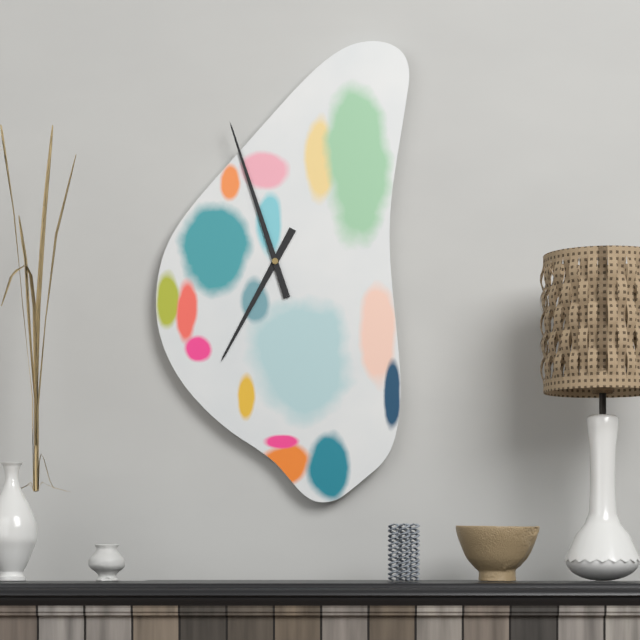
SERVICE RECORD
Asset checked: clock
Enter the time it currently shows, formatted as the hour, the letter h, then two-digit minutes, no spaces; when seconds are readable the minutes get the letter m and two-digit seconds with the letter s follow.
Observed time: 6h57
